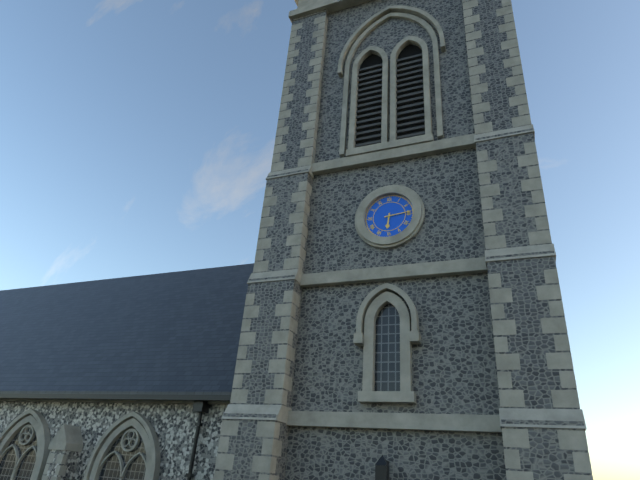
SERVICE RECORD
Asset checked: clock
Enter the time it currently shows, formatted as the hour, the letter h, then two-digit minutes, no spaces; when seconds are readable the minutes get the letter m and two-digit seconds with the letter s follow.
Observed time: 6h14
